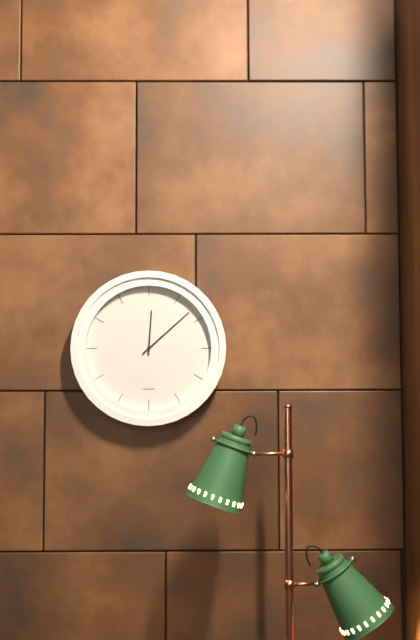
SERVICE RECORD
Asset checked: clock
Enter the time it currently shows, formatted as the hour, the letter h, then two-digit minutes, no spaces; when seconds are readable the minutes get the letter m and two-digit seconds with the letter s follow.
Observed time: 12h08
